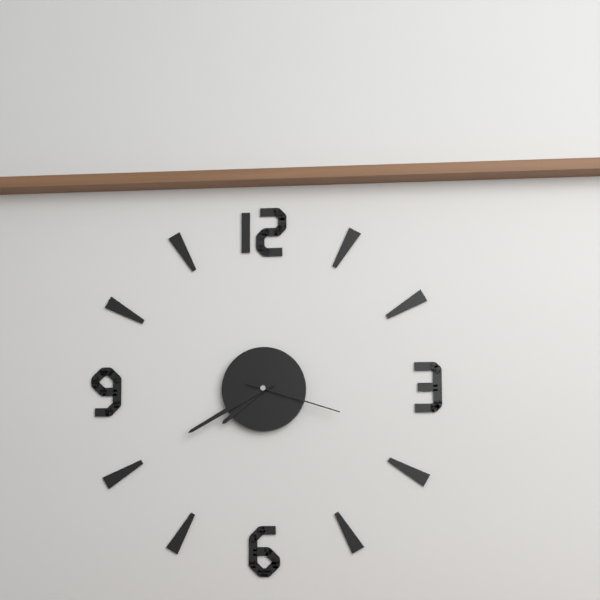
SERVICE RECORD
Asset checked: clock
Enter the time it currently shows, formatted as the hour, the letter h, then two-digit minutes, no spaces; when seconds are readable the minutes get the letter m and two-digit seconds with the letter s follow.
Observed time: 7h40m18s
